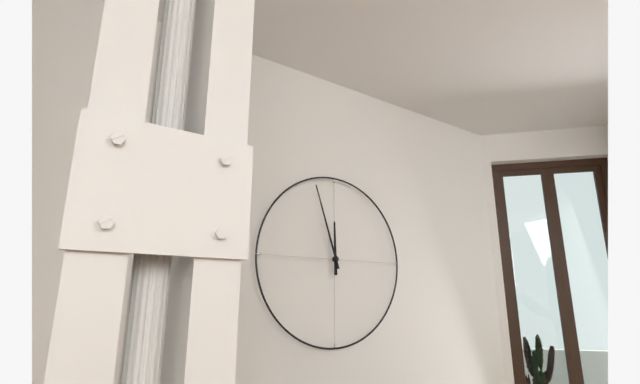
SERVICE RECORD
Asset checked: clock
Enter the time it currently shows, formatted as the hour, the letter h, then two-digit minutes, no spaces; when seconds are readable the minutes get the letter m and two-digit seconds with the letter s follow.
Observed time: 11h57
